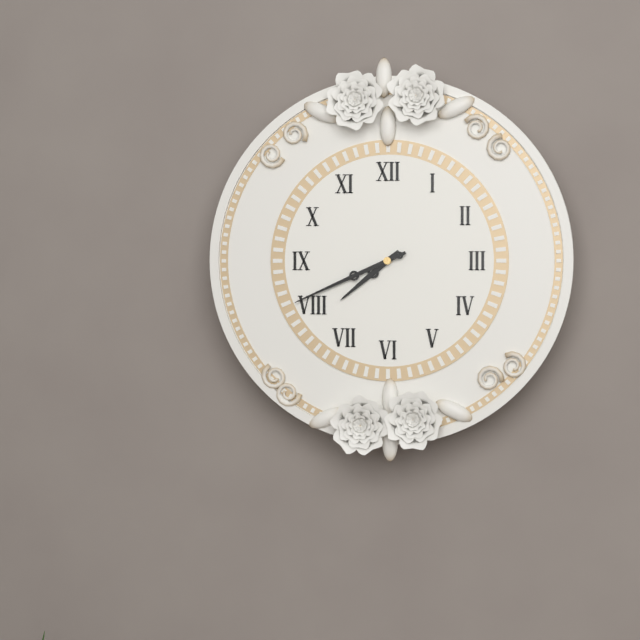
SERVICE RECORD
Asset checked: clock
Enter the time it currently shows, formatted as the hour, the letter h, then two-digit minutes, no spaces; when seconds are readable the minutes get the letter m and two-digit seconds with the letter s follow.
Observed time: 7h41
